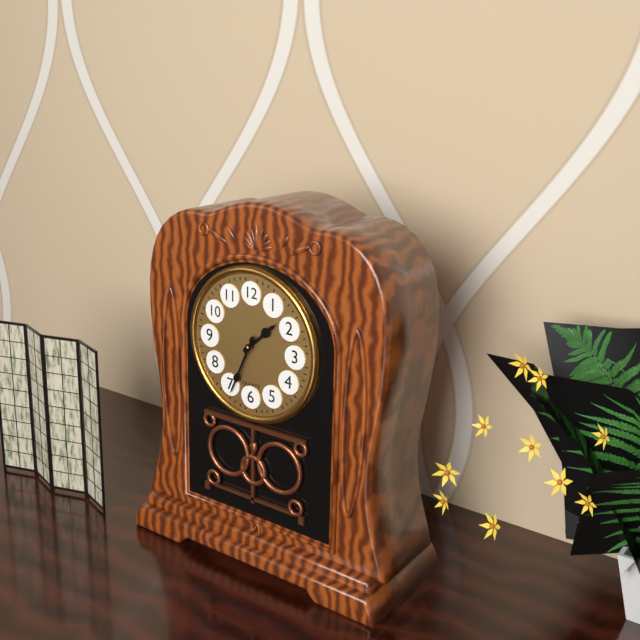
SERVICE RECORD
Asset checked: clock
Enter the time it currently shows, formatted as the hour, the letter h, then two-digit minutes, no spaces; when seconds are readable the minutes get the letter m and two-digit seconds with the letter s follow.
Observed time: 1h34
